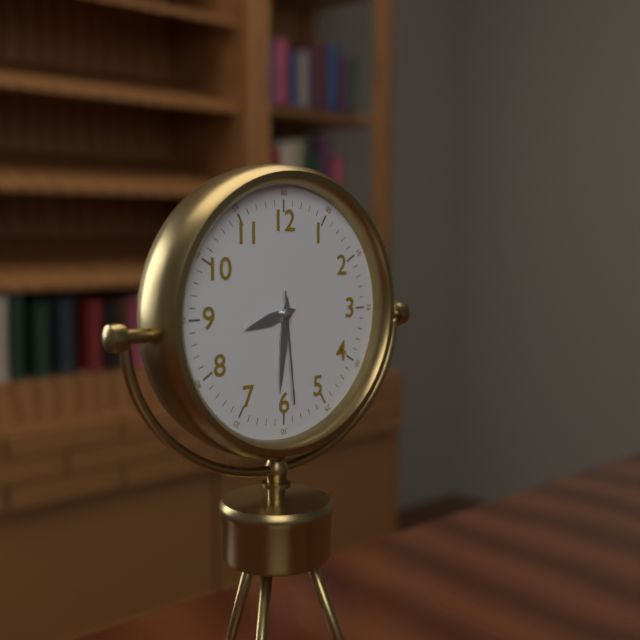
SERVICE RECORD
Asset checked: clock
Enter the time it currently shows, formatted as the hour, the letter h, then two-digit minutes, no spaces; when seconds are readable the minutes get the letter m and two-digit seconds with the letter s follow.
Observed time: 8h31m29s
